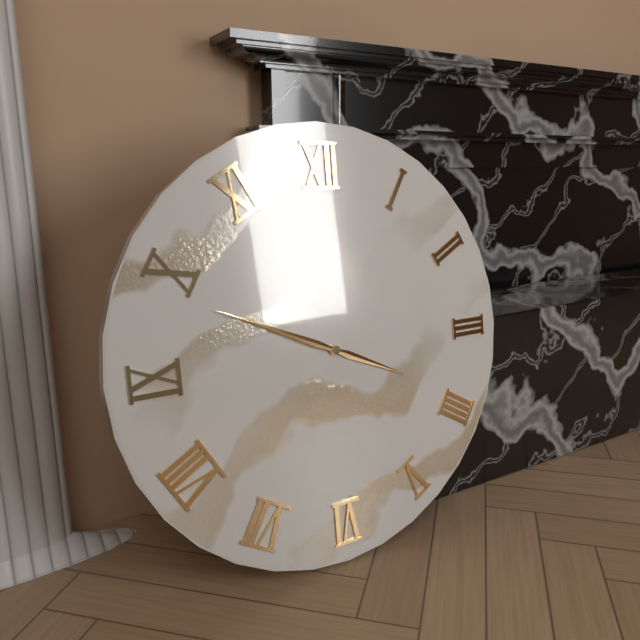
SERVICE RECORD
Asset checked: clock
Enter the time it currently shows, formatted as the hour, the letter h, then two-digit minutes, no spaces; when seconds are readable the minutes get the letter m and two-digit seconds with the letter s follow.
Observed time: 3h49
